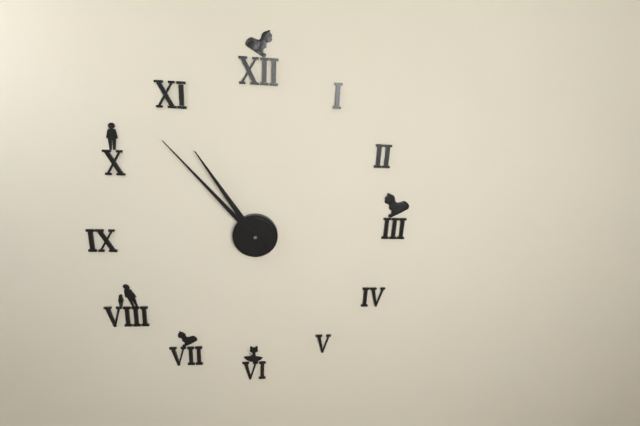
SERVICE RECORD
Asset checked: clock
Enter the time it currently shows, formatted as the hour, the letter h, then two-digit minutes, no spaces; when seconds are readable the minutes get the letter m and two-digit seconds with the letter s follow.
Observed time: 10h53
